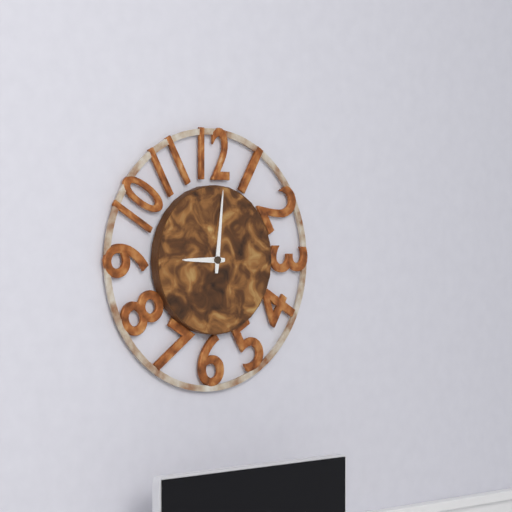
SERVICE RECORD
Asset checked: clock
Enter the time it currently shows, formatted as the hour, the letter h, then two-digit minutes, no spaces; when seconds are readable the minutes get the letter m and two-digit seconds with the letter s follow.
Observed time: 9h01
